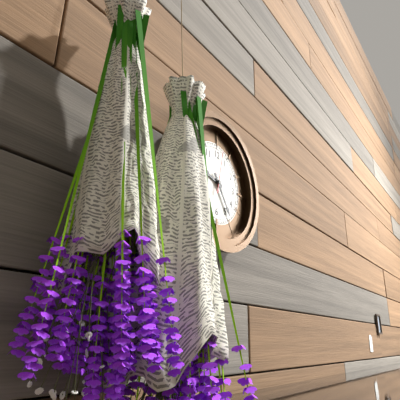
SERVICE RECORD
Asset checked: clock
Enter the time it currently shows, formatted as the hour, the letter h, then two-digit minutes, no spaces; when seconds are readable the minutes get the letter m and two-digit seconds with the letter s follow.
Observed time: 9h24
